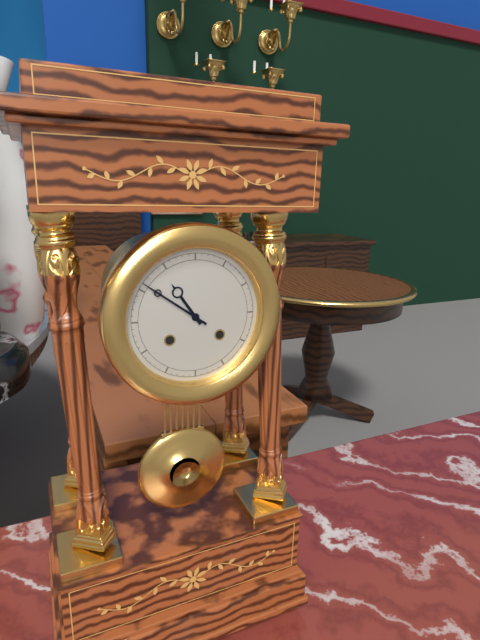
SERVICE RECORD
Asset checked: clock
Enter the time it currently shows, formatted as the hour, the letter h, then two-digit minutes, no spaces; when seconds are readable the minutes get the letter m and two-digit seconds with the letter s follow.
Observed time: 10h51
